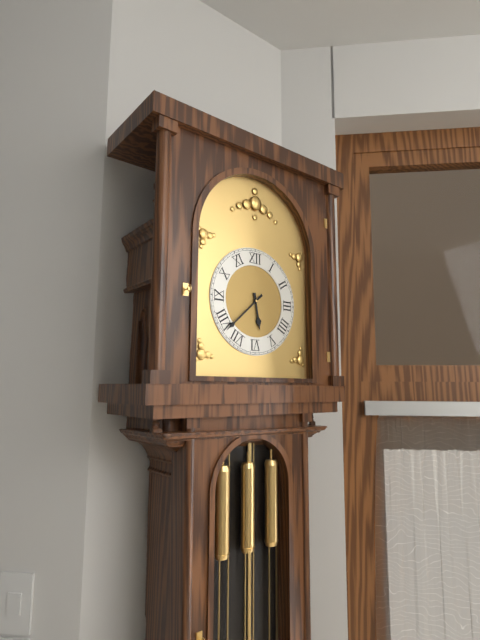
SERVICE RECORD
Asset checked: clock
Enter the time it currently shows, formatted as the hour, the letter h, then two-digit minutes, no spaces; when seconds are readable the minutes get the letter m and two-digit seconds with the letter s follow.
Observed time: 5h38
